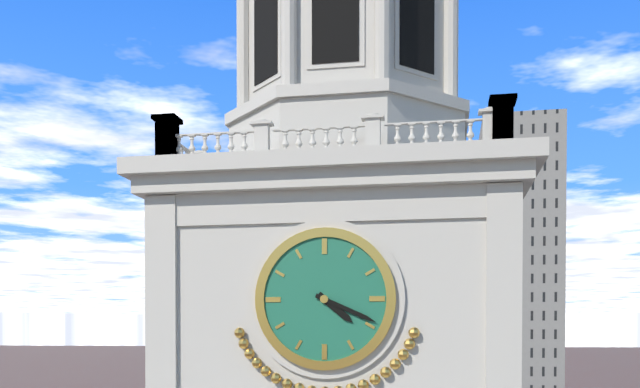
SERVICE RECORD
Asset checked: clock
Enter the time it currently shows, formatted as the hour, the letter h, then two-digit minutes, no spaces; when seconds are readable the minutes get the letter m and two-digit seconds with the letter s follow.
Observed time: 4h19
